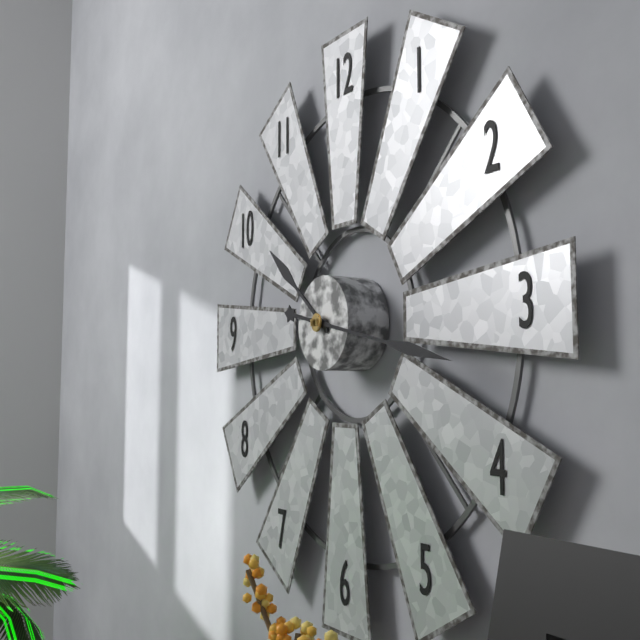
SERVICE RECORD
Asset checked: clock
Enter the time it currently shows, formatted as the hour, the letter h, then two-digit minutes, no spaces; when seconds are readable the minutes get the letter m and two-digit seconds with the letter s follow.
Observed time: 10h17
